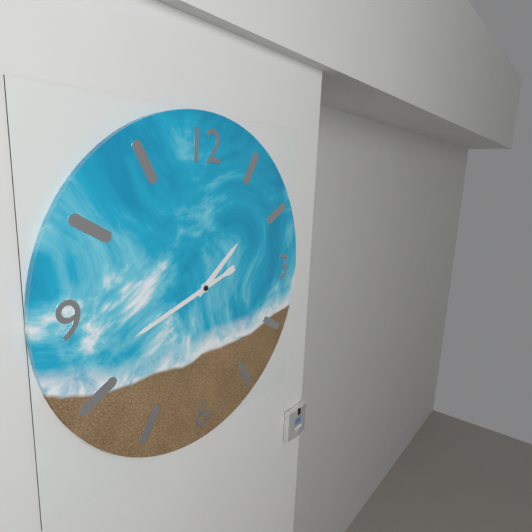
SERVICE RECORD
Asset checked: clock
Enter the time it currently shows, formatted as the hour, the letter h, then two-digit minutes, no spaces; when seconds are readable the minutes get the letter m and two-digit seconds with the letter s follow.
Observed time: 1h42
